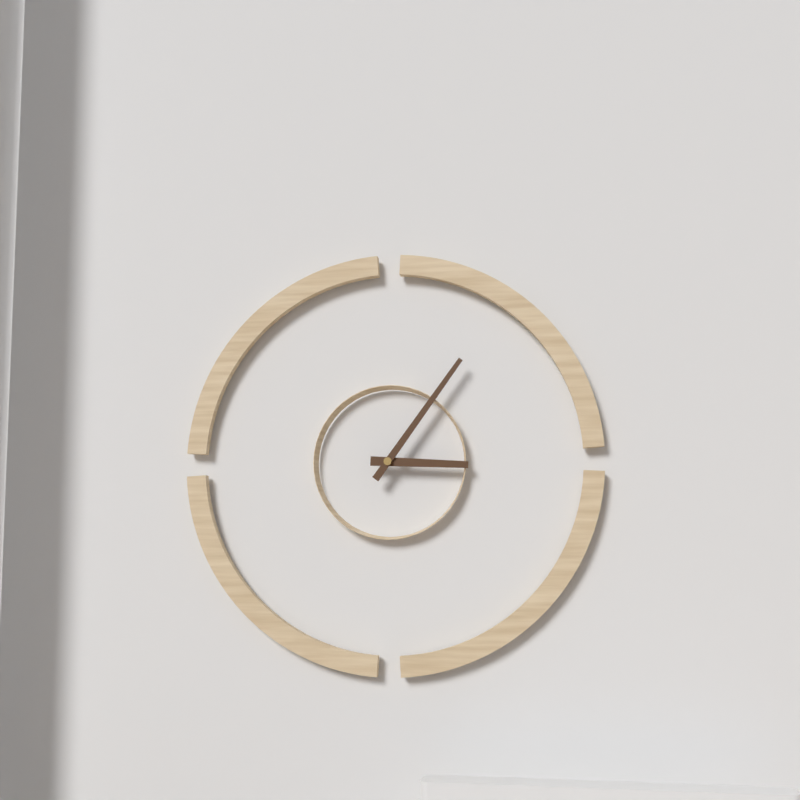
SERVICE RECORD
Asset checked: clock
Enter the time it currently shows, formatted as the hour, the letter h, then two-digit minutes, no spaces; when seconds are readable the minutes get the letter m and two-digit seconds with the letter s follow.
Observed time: 3h06
